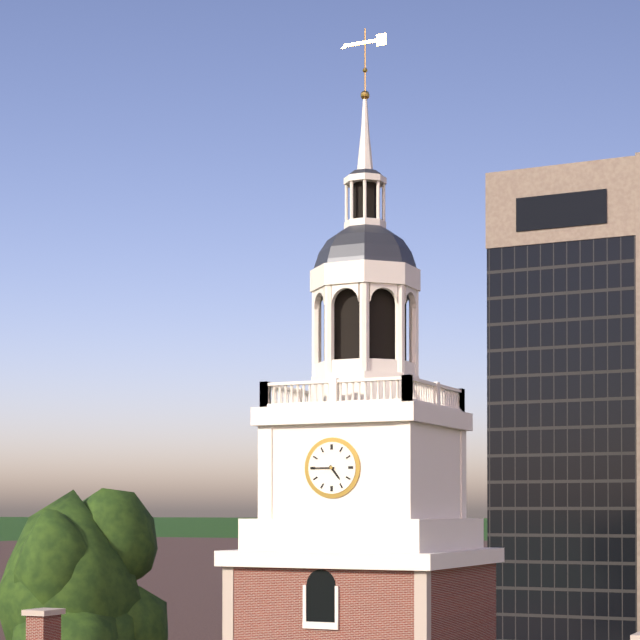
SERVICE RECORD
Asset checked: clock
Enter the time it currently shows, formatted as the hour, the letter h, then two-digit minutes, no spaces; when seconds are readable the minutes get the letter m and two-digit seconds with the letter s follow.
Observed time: 4h45
